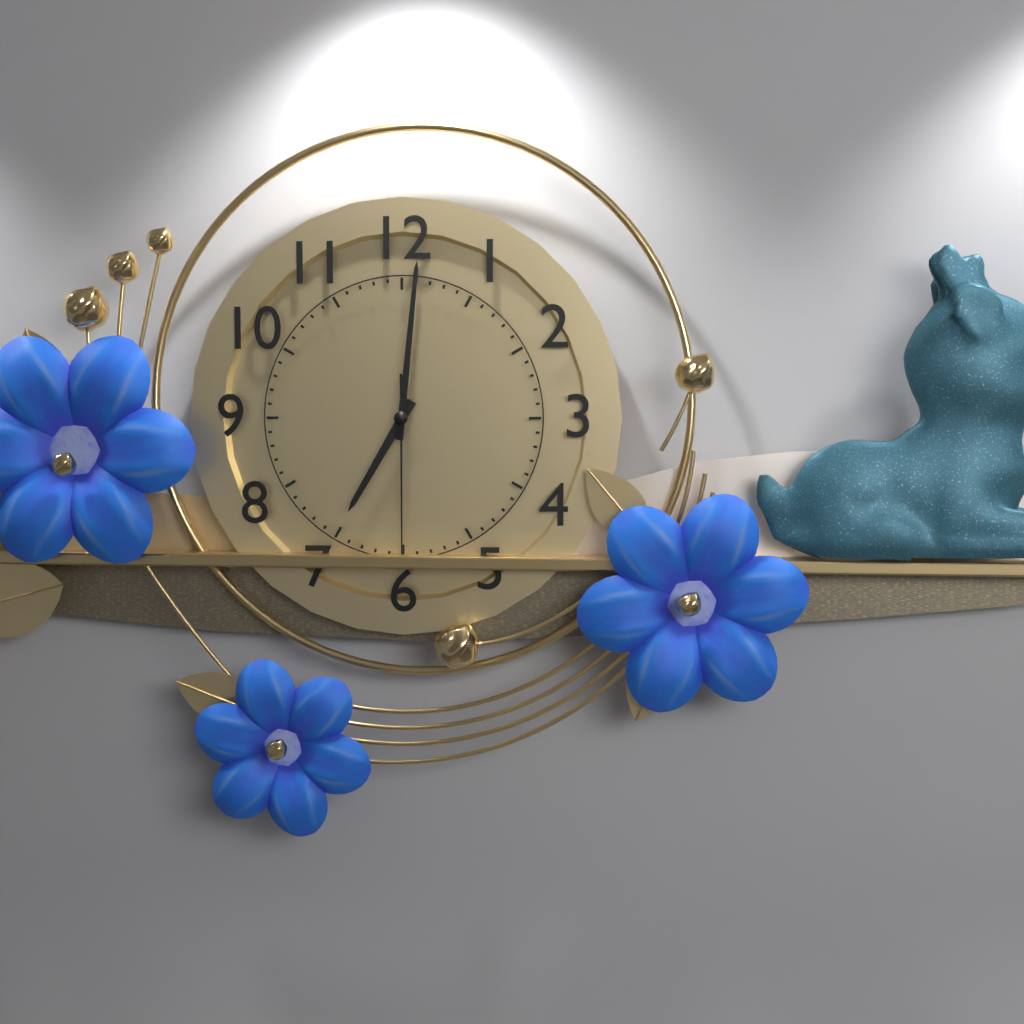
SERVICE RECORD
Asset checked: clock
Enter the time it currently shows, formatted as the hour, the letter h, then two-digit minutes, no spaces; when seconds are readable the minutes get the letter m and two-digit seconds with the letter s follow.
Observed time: 7h01m30s
